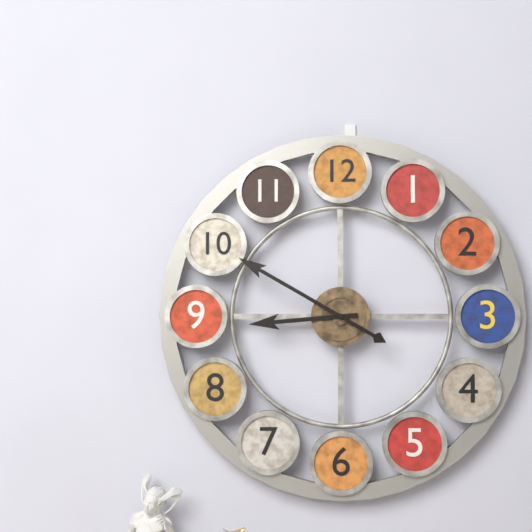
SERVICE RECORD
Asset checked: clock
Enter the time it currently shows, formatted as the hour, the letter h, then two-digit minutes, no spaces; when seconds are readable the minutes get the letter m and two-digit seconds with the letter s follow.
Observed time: 8h50
